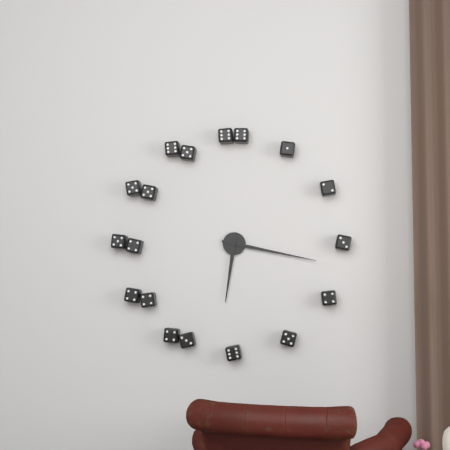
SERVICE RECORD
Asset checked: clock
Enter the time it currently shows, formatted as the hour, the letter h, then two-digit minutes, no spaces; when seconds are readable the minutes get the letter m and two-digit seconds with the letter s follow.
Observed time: 6h17
